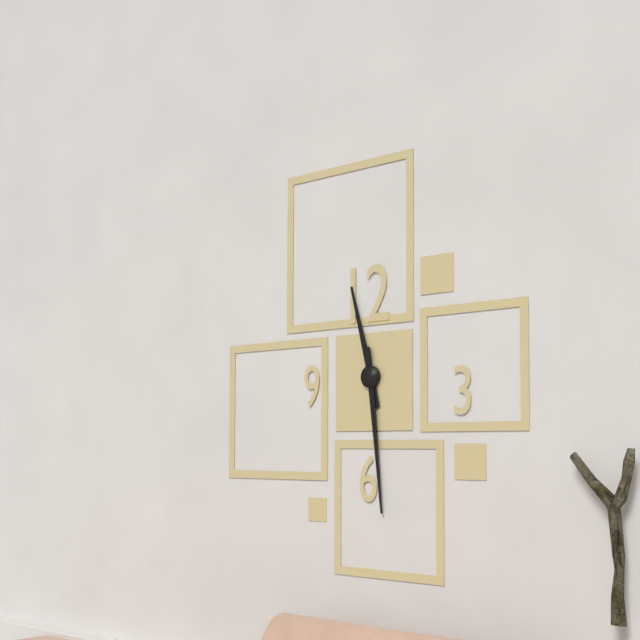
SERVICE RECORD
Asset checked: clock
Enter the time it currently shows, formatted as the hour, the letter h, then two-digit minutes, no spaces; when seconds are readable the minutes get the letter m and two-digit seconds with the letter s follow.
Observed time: 11h29
